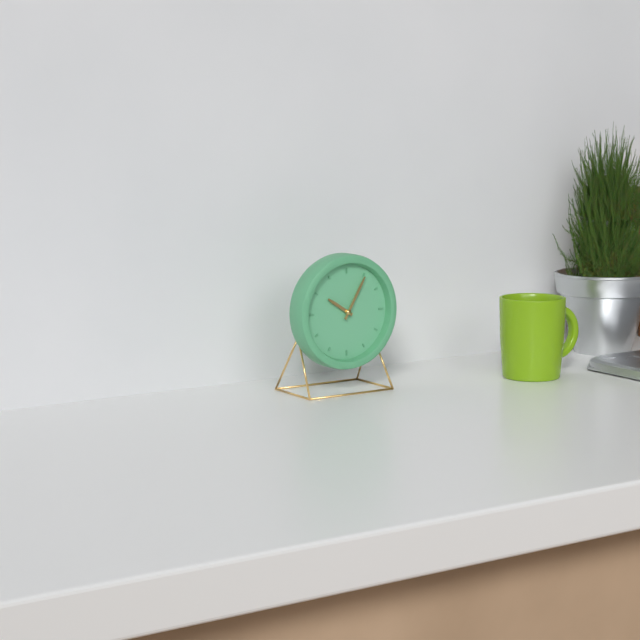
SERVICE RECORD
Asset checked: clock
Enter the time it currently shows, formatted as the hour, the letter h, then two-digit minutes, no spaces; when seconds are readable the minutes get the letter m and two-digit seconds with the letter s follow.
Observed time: 10h05
